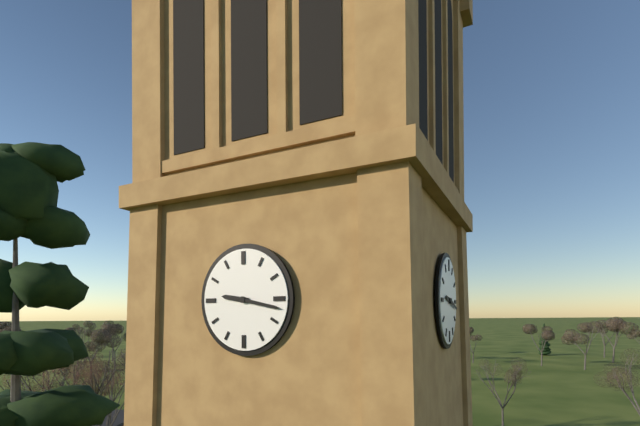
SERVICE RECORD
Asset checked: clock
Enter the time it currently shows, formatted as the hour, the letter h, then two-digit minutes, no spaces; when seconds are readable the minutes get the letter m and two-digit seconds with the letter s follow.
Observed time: 9h17
